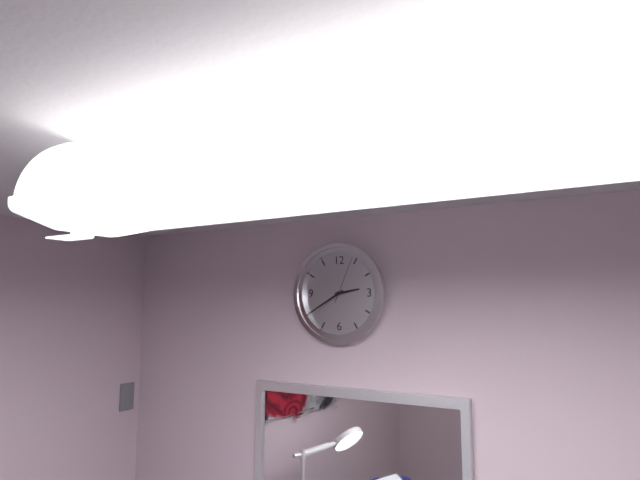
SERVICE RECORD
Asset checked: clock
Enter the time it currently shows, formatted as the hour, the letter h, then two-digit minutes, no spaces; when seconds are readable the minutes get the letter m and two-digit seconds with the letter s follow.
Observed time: 2h40
